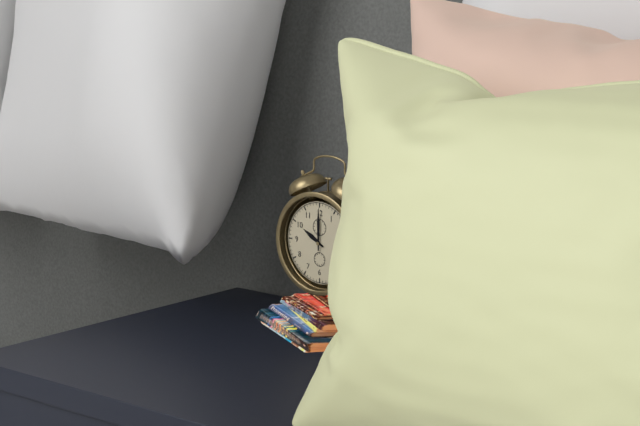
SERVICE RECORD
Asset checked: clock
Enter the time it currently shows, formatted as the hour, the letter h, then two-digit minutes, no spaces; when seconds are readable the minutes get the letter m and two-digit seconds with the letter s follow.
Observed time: 10h00
